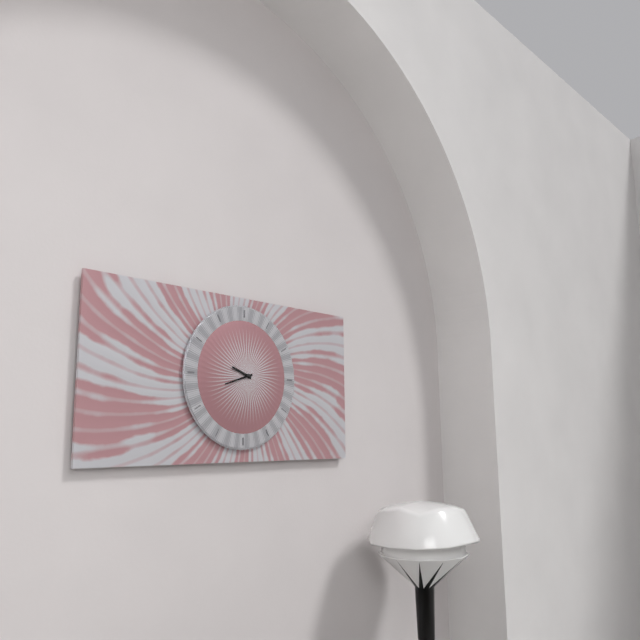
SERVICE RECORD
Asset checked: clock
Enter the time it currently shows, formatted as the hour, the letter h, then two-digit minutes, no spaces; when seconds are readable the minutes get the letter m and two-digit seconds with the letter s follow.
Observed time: 9h42
